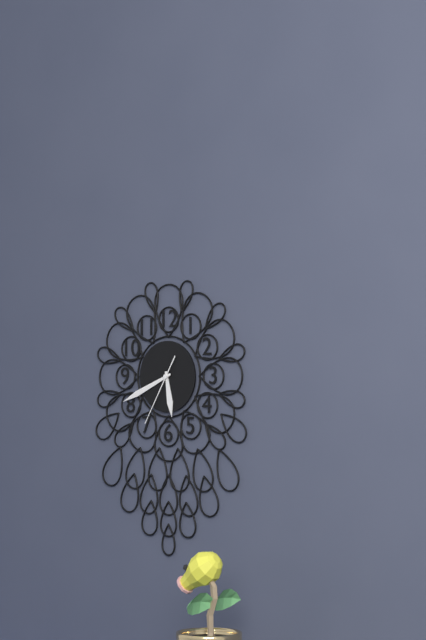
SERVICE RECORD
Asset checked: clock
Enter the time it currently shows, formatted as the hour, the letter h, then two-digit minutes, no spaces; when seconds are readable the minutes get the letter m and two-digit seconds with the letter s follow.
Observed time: 5h41m35s
